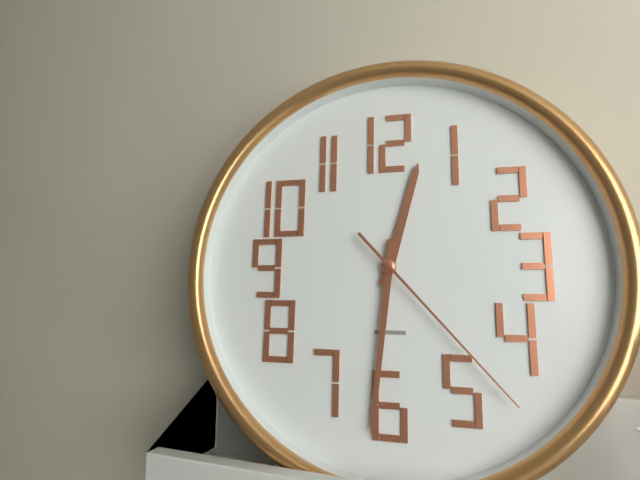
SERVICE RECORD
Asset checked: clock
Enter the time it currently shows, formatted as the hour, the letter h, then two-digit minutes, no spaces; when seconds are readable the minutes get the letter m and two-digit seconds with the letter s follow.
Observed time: 12h31m23s
